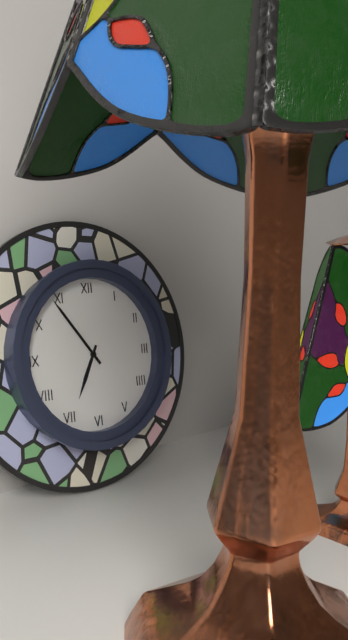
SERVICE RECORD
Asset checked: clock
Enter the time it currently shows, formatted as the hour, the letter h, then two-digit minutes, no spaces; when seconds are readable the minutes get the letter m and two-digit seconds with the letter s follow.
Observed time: 6h54
